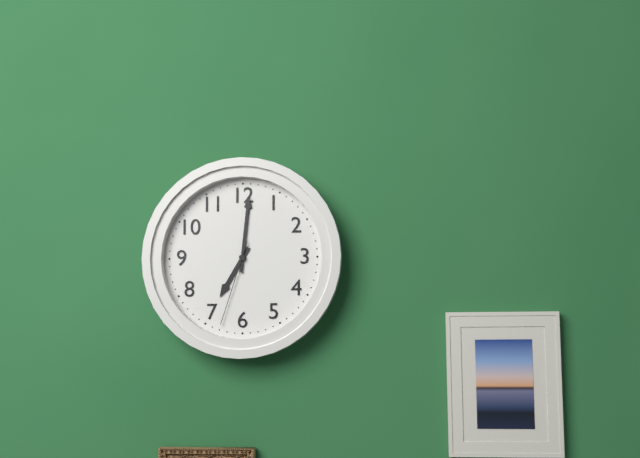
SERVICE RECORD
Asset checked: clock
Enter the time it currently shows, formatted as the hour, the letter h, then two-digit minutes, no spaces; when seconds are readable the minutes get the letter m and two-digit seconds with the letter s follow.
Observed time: 7h01m33s
